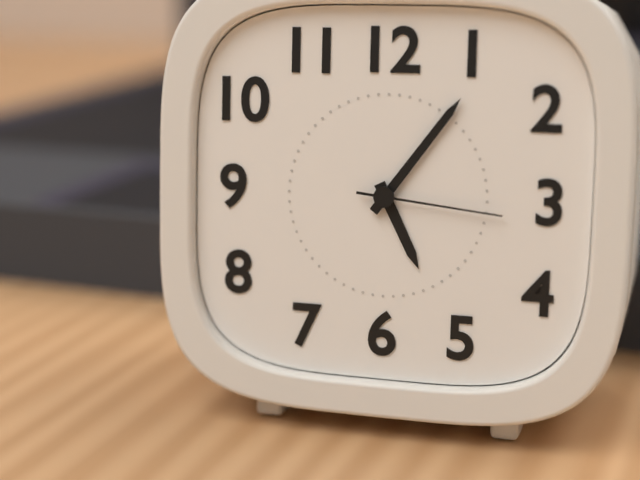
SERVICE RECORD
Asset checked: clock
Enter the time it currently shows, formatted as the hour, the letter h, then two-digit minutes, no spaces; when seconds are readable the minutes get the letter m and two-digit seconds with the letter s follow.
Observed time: 5h06m16s
